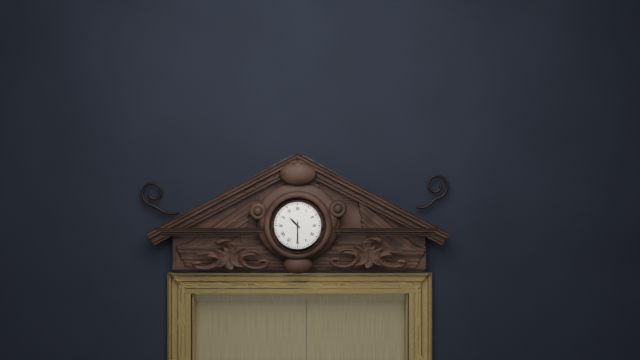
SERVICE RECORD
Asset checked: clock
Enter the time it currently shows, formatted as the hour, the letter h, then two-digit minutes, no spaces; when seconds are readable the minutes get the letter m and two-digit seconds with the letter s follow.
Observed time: 10h30
